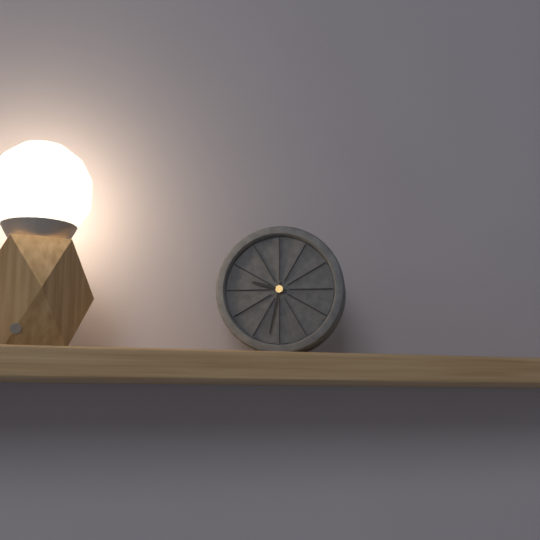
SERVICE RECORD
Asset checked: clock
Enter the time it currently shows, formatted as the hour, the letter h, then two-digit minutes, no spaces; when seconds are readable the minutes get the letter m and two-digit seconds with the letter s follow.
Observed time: 9h32
